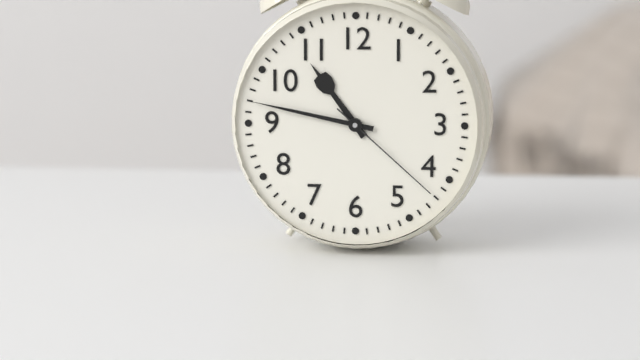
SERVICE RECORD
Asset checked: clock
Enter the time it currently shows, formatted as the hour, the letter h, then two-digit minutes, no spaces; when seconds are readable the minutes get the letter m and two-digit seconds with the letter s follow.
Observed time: 10h47m22s
